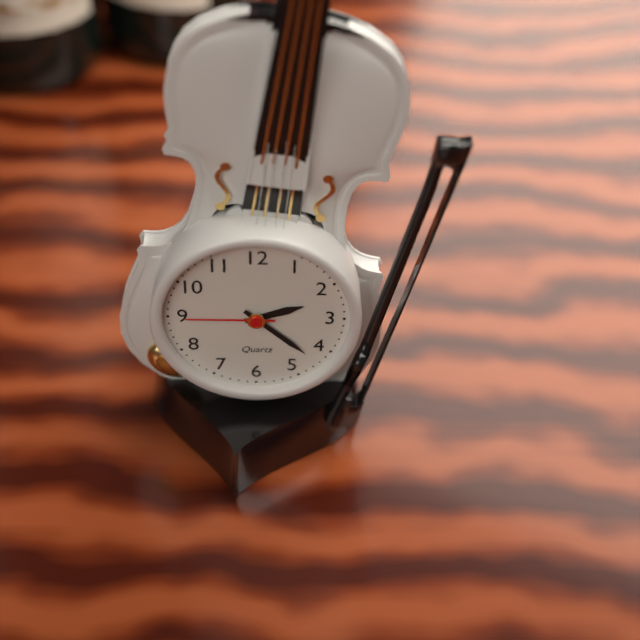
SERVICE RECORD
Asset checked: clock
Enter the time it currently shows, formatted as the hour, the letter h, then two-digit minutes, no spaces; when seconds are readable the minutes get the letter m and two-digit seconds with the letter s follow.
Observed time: 2h22m45s
